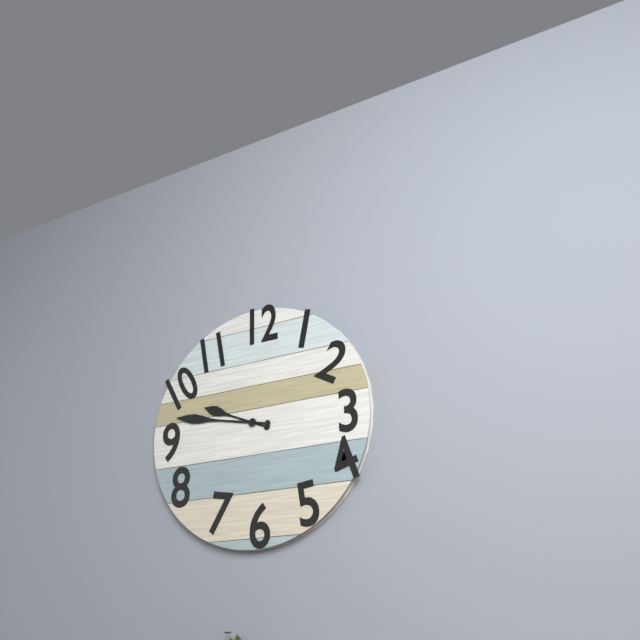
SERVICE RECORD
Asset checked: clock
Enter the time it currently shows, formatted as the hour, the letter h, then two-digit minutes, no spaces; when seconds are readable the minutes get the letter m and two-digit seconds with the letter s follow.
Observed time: 9h47
